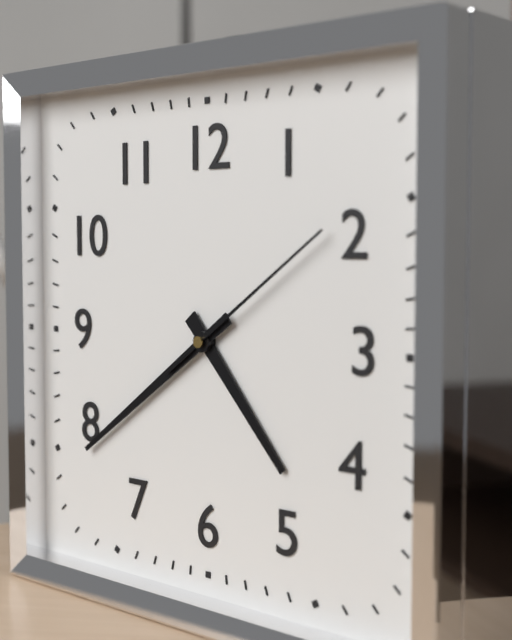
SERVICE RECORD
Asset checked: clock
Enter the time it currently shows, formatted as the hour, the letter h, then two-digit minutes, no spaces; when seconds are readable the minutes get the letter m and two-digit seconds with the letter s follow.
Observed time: 4h39m09s
